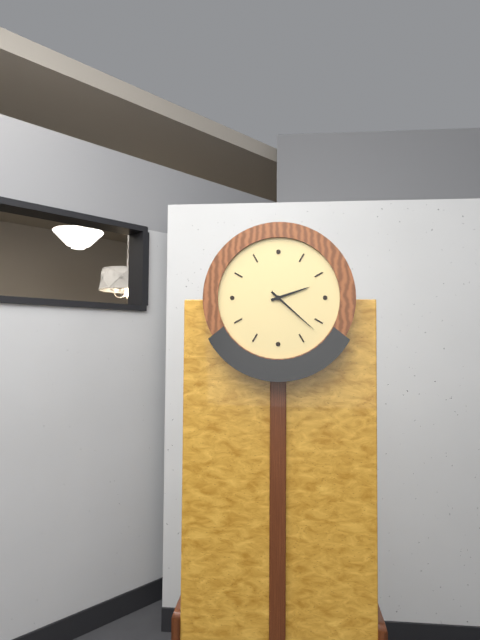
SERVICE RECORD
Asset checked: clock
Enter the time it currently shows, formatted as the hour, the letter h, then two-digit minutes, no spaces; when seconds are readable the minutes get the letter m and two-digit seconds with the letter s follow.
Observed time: 2h22
